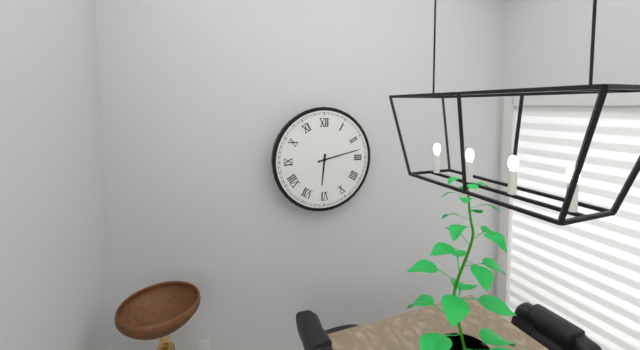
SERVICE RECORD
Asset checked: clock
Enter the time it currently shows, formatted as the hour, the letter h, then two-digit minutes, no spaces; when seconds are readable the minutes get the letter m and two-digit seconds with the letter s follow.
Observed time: 6h13
